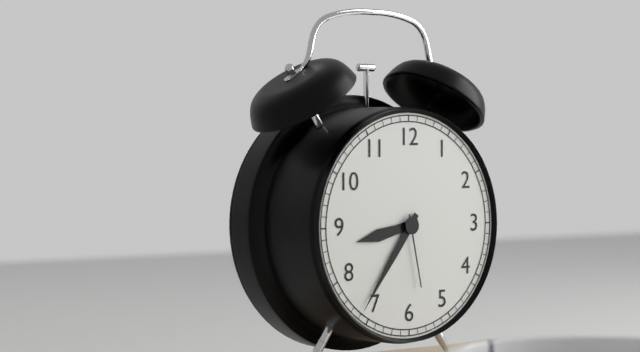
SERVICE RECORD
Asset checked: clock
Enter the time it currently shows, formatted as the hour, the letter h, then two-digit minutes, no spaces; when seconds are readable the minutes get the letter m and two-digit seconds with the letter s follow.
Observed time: 8h36m28s
